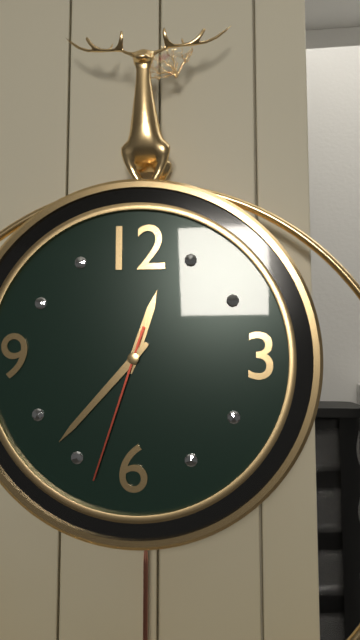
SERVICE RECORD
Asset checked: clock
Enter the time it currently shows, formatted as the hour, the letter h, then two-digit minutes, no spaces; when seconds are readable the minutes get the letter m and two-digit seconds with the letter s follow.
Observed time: 12h37m33s
